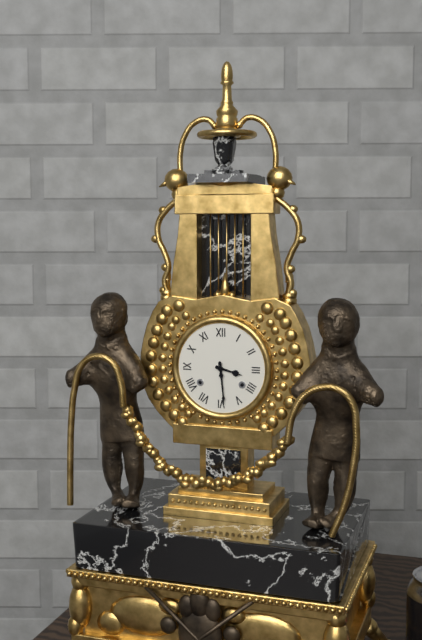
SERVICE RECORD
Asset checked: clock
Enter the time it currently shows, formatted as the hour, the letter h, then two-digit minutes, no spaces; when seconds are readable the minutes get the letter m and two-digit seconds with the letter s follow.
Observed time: 3h29
